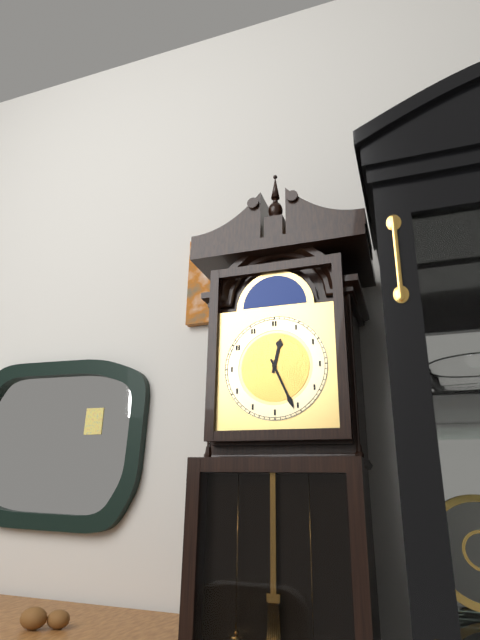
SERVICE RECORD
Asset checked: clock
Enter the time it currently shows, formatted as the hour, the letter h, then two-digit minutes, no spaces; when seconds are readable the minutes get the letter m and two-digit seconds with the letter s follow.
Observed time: 12h26
